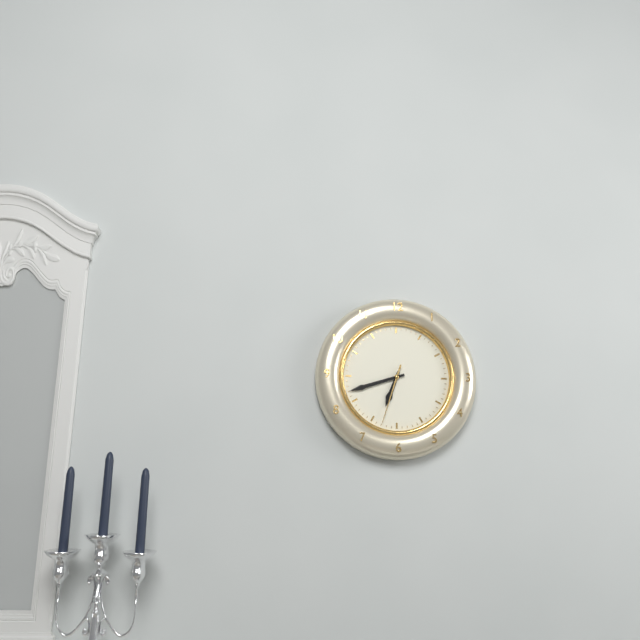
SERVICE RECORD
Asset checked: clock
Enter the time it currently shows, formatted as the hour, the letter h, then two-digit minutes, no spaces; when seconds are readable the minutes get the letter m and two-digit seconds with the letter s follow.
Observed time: 6h42m33s
